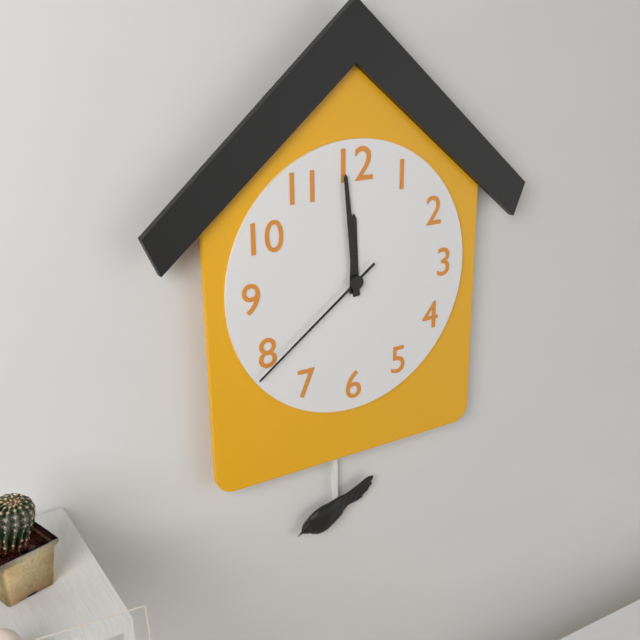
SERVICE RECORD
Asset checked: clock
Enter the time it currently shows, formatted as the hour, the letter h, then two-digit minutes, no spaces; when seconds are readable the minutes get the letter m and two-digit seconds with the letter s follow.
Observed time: 11h59m39s
